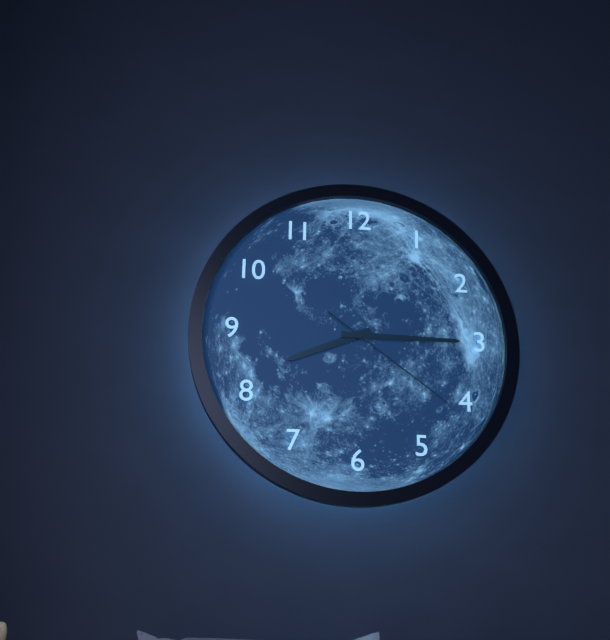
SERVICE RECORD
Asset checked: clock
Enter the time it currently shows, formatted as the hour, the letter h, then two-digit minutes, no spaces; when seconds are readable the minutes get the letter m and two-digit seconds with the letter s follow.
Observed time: 8h15m21s
